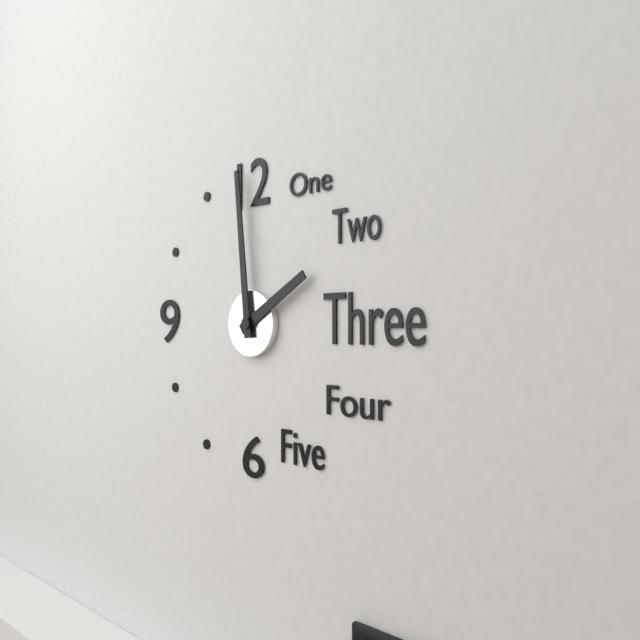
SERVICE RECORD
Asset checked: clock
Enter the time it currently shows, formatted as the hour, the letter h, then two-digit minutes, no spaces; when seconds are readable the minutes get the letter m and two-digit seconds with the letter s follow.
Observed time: 1h59
